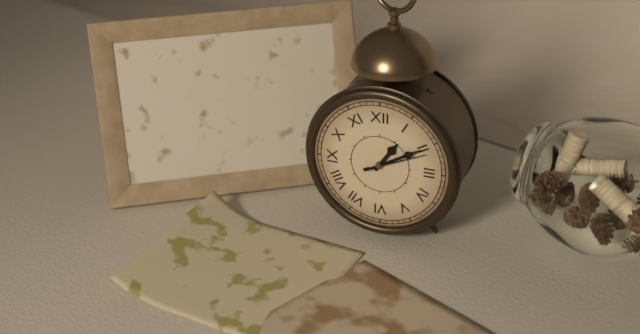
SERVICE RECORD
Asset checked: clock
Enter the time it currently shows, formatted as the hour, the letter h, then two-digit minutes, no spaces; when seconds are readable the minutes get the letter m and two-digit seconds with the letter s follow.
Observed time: 1h10m11s
